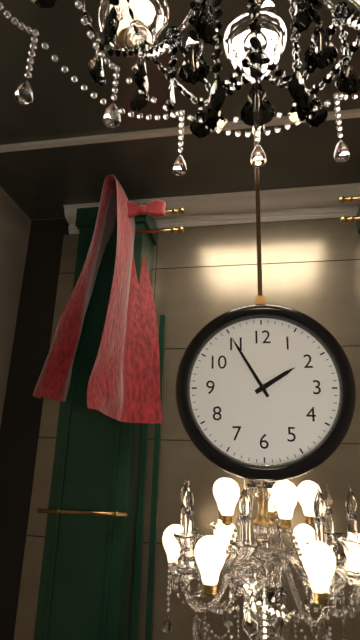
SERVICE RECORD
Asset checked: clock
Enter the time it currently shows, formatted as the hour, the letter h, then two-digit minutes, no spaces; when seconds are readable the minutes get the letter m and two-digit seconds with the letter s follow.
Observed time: 1h55
